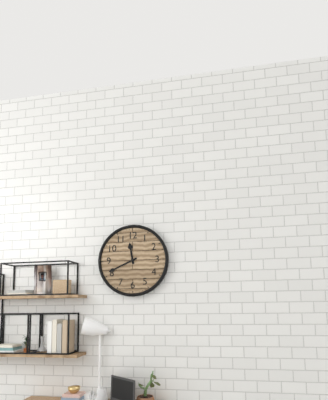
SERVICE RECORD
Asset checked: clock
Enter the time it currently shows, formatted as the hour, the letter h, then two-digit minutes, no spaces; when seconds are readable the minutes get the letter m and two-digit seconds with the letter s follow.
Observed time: 11h41
